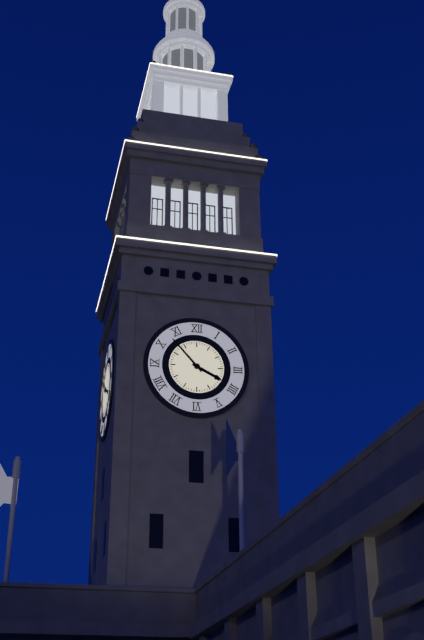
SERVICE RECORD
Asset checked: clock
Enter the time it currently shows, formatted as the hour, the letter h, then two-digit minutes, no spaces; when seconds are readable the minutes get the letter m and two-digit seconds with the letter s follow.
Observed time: 3h53
